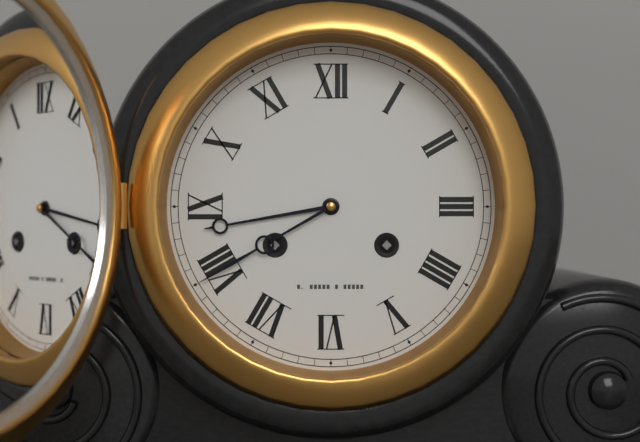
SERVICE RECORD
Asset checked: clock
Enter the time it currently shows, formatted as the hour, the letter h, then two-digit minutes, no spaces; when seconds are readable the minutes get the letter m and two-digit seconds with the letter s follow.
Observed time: 8h40
